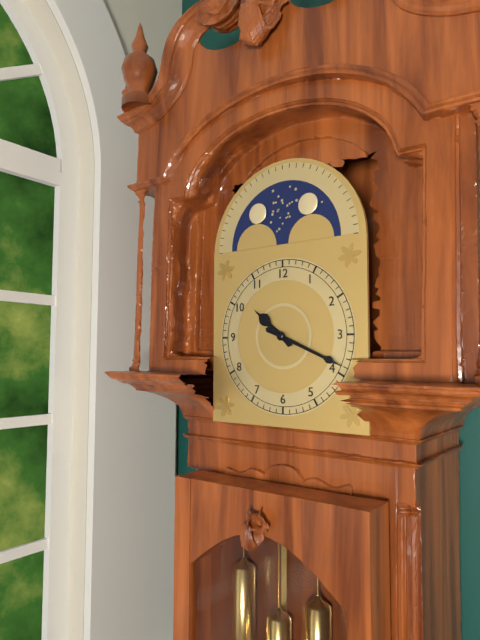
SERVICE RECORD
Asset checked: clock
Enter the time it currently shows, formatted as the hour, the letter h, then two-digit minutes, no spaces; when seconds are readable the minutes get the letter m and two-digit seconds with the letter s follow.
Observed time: 10h19
